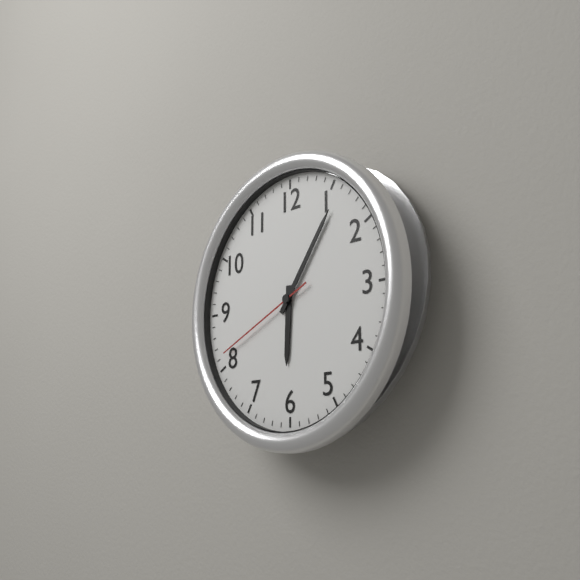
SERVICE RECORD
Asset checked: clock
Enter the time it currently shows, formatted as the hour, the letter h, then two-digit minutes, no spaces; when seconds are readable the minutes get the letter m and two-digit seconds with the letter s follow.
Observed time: 6h06m41s
